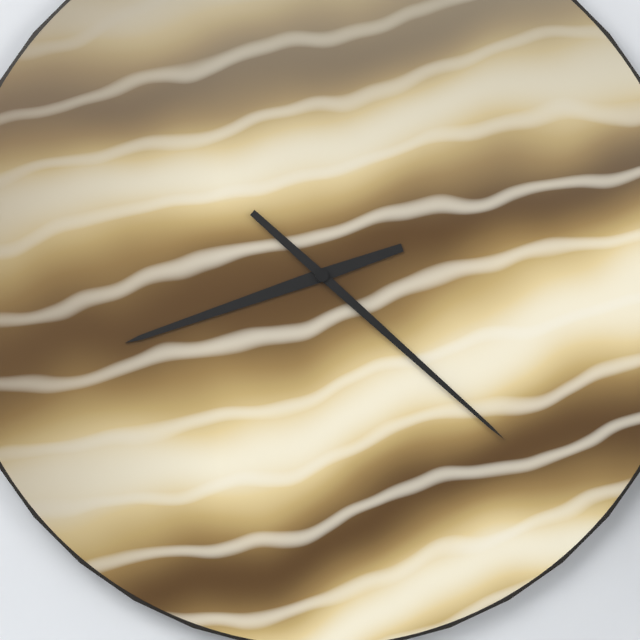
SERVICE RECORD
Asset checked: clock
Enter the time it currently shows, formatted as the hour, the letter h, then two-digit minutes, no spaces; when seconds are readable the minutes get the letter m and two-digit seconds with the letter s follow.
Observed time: 8h22
